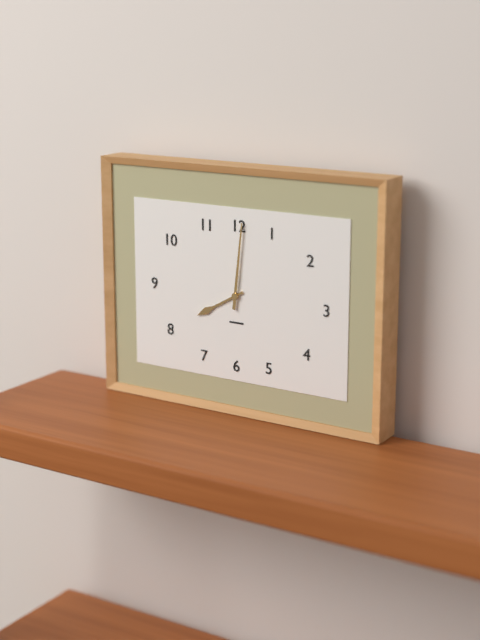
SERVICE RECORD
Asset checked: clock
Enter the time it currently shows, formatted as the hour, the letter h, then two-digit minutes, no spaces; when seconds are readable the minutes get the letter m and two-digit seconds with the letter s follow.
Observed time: 8h01
